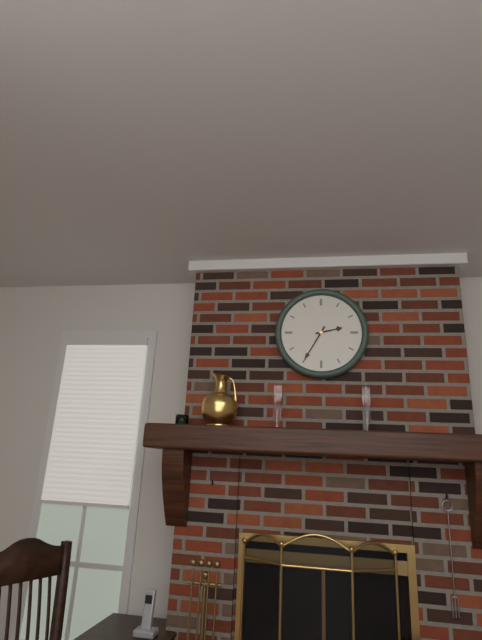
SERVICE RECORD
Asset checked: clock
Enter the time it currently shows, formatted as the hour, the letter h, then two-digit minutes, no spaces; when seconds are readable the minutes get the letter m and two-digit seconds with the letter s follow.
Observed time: 2h35
